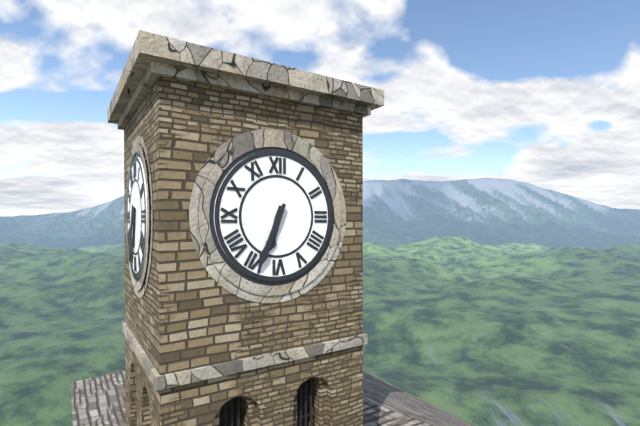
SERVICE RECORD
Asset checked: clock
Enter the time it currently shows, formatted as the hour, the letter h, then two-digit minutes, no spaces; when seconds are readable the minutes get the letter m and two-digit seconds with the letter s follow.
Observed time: 6h34
